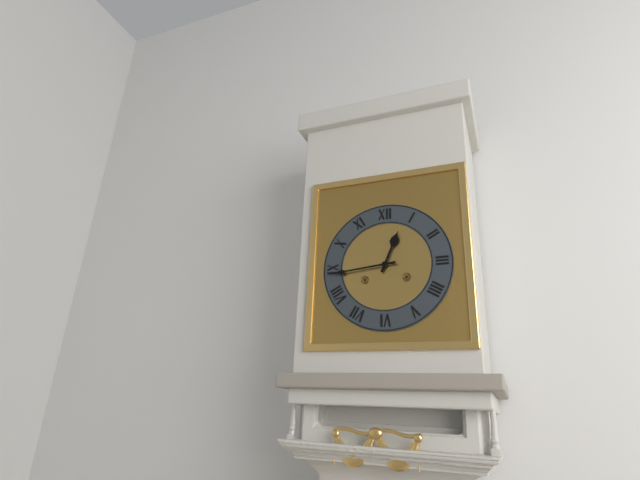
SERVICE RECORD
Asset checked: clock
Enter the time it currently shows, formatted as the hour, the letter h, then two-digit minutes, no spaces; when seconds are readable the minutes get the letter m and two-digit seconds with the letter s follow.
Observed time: 12h44
